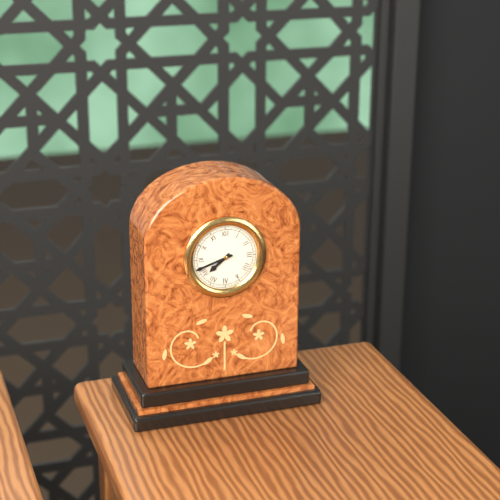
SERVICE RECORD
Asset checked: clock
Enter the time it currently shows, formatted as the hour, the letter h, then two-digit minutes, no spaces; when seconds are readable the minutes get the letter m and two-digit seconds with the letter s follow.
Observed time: 7h42
